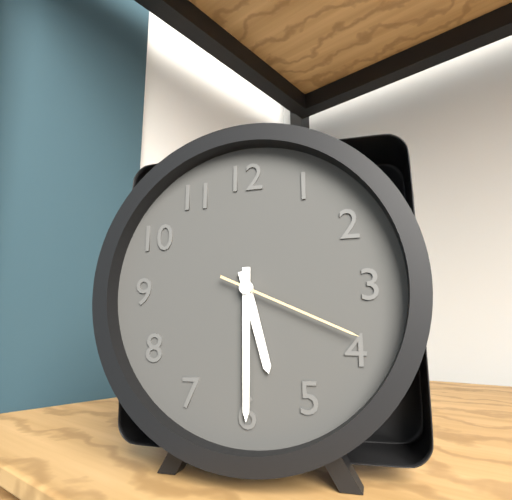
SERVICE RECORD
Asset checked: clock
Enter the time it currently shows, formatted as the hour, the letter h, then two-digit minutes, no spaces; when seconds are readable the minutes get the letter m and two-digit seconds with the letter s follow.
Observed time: 5h30m19s
